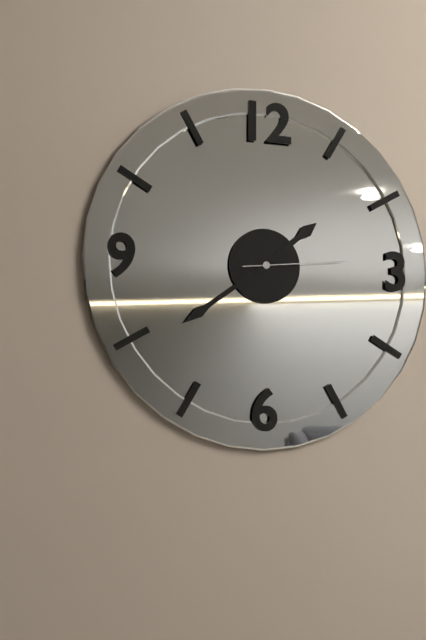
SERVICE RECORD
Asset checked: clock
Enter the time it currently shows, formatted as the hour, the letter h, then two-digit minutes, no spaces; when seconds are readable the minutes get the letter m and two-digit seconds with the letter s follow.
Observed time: 1h39m14s
